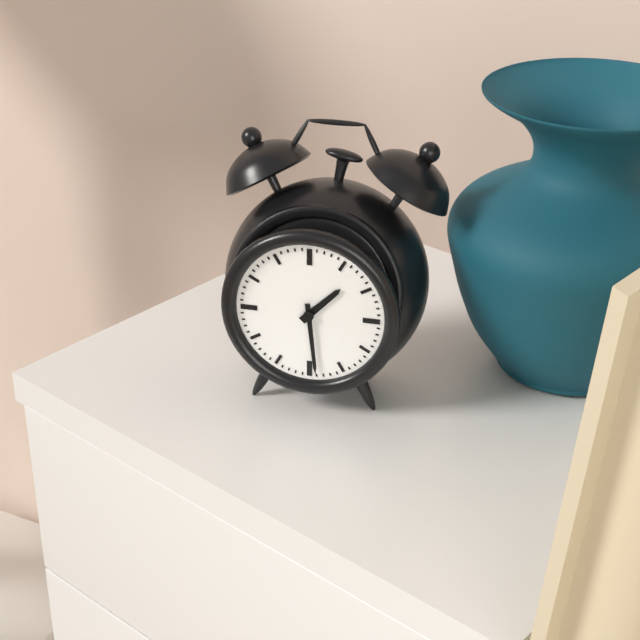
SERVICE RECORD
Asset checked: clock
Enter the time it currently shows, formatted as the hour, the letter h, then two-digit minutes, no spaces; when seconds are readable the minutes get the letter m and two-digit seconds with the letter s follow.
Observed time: 1h29
